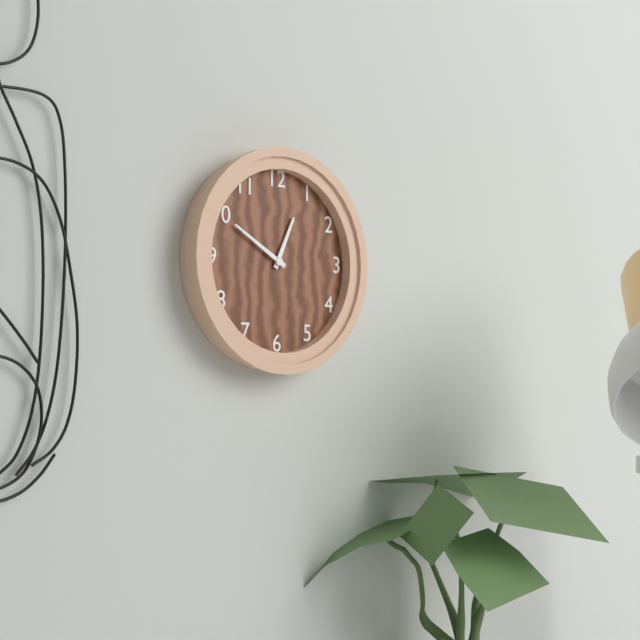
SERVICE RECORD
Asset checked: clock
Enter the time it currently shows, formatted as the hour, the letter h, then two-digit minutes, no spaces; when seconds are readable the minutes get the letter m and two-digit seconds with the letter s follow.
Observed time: 12h50
